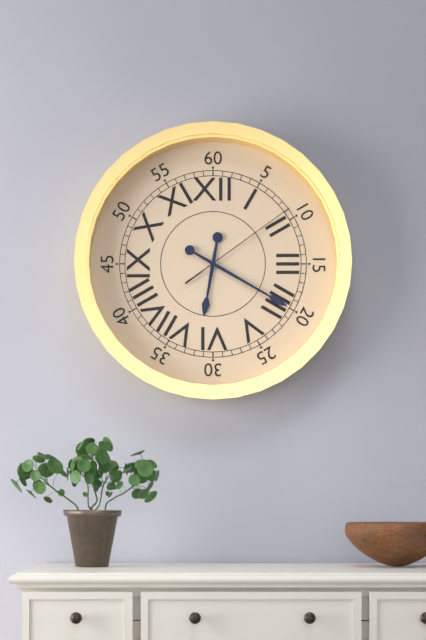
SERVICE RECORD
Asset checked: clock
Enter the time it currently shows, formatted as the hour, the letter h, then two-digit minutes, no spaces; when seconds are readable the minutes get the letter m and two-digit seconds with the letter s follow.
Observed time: 6h20m09s
